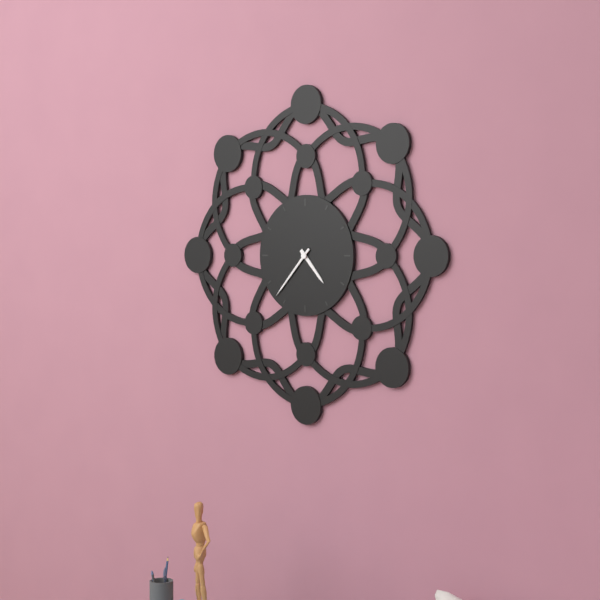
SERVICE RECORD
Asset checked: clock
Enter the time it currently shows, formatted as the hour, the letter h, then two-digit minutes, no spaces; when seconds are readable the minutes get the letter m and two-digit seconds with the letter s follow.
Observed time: 4h37
